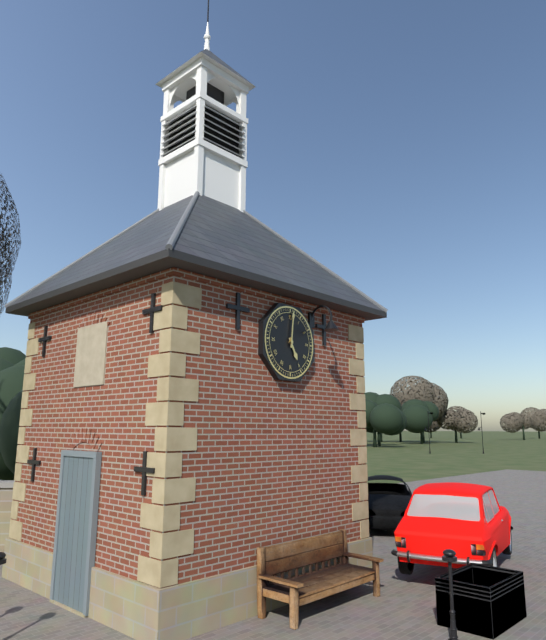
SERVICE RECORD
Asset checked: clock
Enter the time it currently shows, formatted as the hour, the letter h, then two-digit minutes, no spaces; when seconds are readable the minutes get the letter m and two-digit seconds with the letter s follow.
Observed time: 5h01
